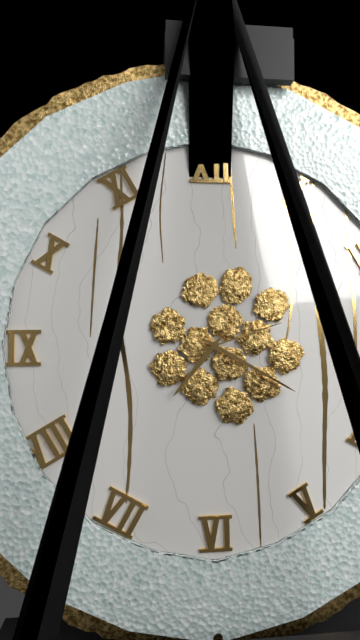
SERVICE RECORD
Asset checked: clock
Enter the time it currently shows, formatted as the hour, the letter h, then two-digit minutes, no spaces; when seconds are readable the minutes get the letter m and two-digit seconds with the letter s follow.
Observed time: 7h20m12s
